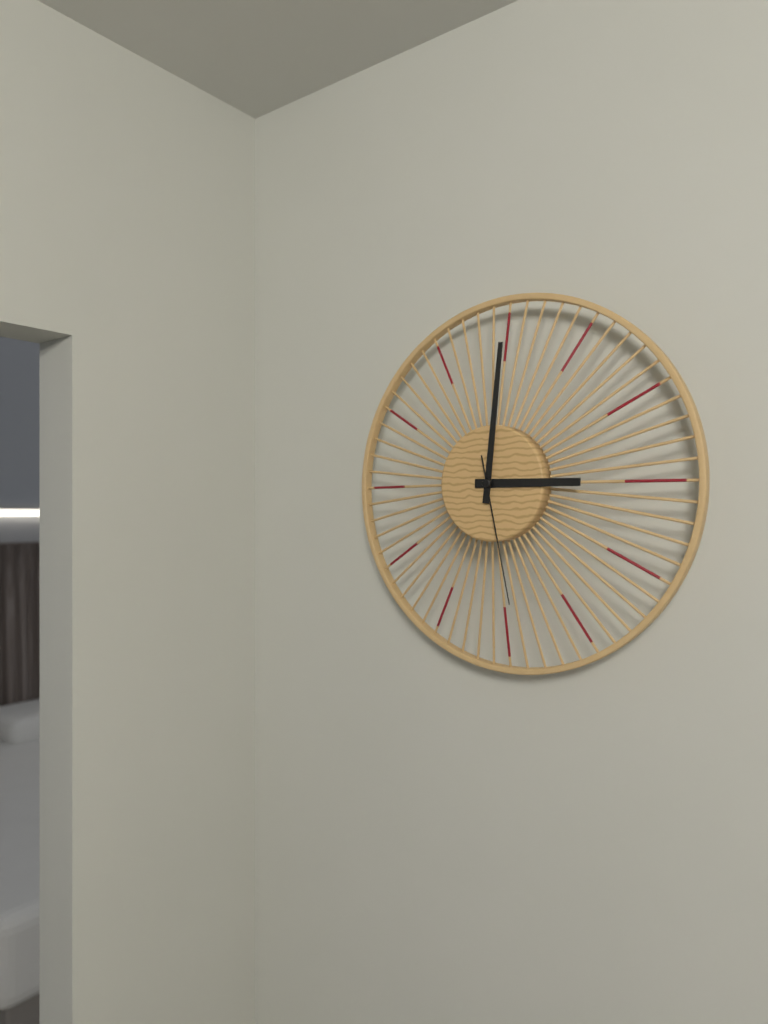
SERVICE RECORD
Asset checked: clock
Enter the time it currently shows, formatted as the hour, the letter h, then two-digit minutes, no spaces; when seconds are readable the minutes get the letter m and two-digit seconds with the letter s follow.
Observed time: 3h01m28s
